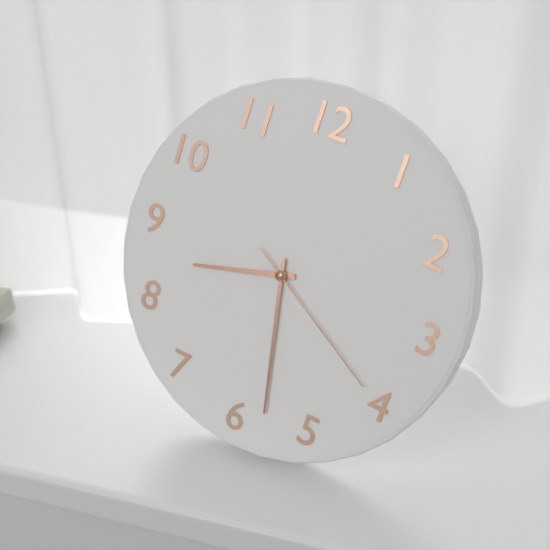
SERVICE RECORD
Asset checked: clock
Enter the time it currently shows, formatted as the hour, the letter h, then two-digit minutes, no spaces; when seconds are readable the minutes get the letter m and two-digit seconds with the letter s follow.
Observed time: 8h28m20s
